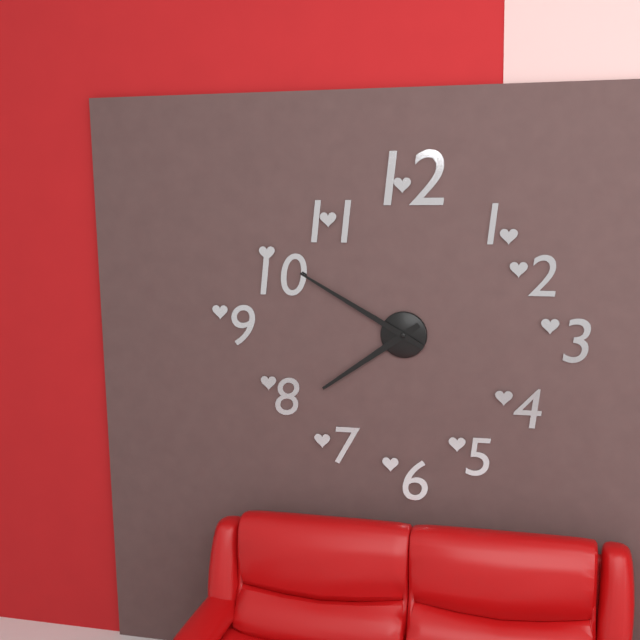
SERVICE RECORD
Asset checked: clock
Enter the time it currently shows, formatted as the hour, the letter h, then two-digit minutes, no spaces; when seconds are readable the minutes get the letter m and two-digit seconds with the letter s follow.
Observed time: 7h50
